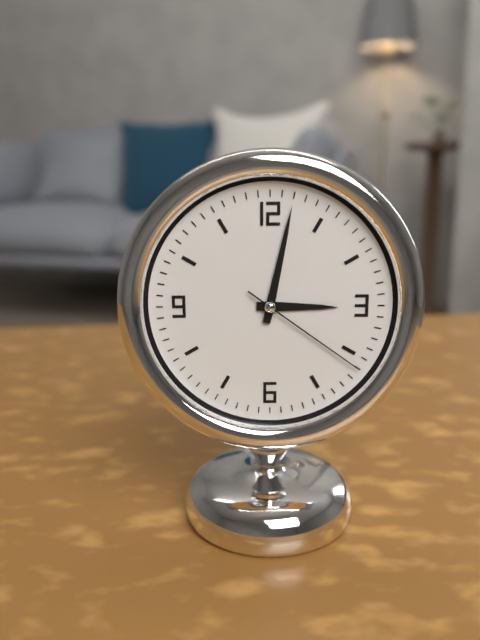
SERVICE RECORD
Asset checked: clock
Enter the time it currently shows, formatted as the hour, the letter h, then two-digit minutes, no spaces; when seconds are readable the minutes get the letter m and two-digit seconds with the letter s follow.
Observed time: 3h02m21s
